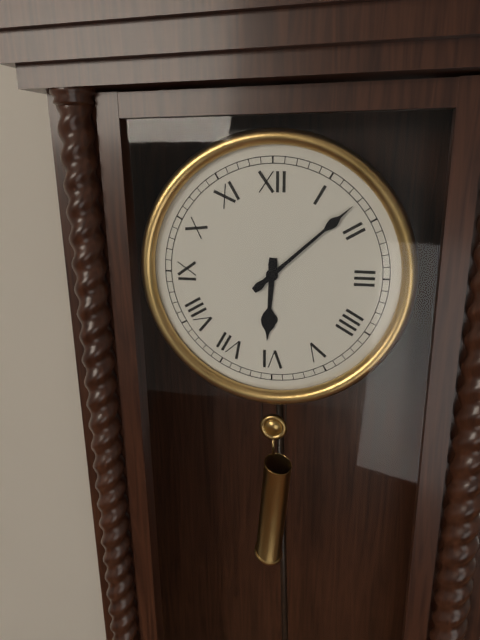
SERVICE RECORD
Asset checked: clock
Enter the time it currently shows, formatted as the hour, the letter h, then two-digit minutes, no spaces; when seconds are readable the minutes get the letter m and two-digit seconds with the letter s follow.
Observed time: 6h08
